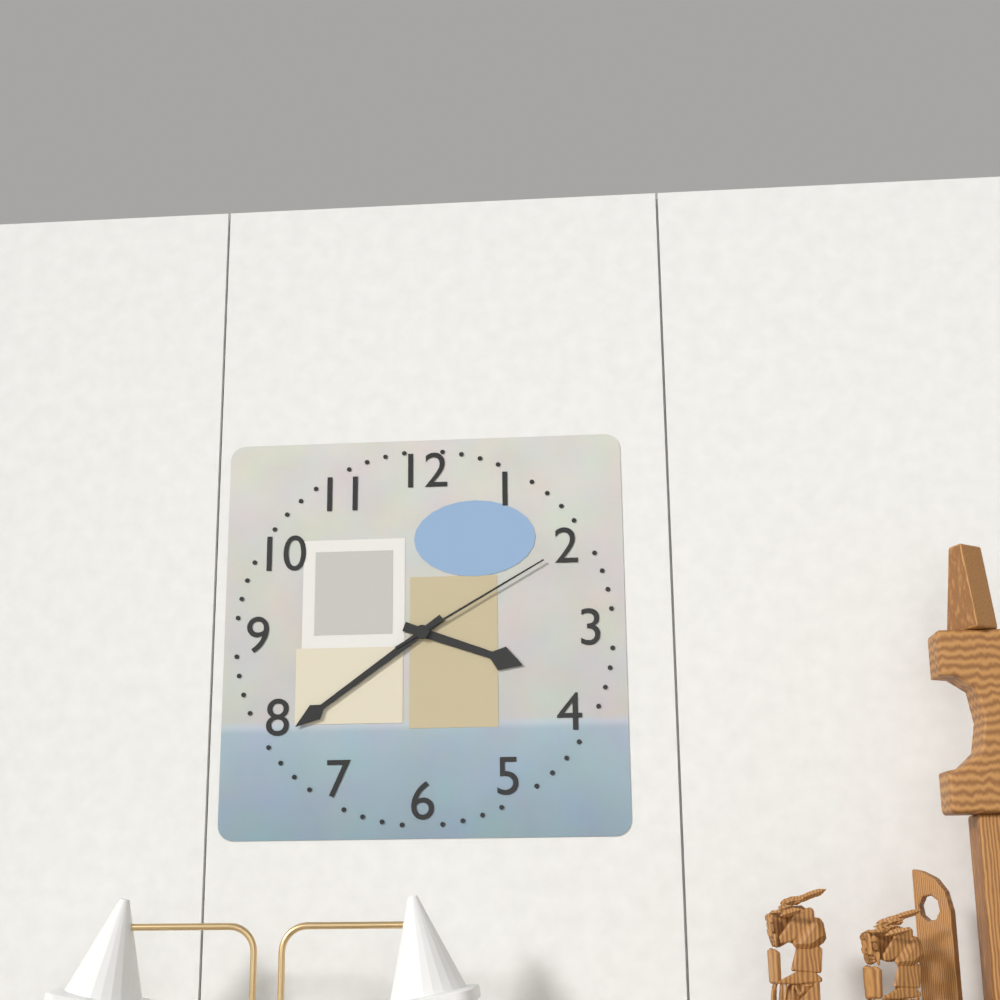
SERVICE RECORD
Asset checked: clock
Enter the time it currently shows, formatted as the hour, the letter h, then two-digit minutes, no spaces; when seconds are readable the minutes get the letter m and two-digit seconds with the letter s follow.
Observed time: 3h39m10s
